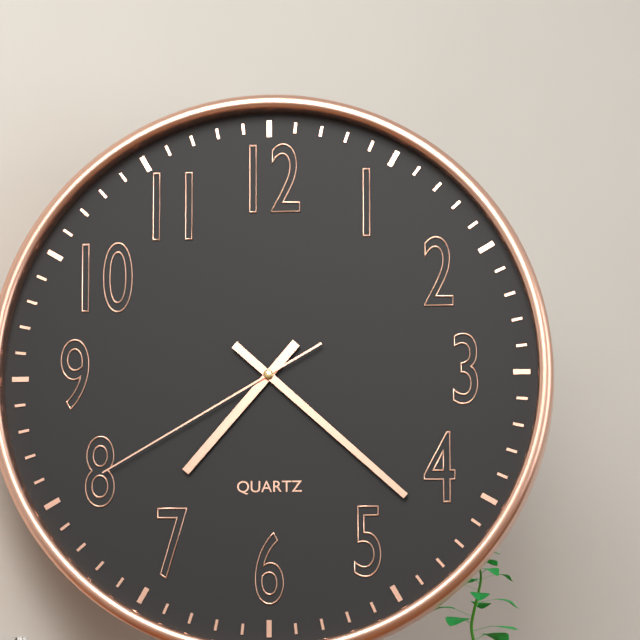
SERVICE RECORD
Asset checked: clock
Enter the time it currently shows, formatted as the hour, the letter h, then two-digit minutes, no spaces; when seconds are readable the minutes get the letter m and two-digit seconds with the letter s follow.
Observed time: 7h22m40s
